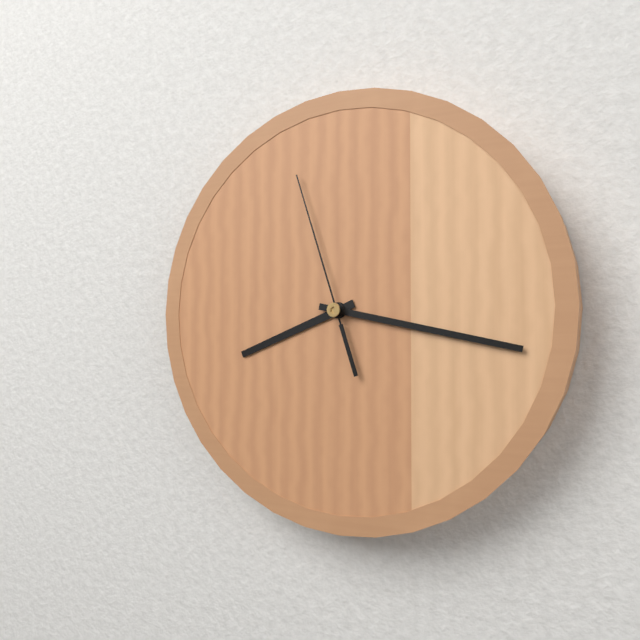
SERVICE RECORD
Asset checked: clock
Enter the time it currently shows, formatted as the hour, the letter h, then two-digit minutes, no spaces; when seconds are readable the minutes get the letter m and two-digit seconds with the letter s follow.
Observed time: 8h17m57s
